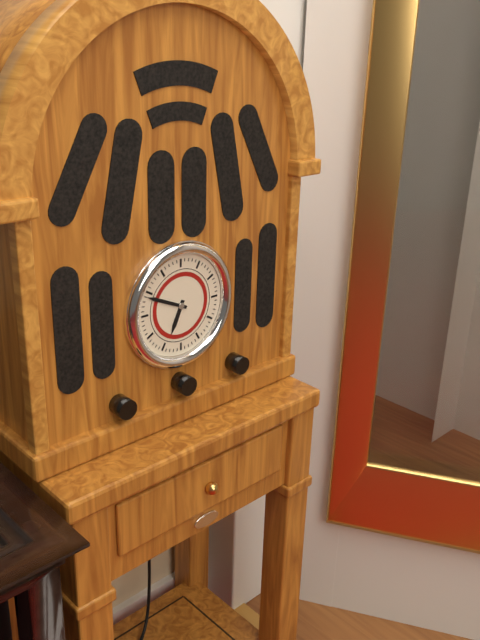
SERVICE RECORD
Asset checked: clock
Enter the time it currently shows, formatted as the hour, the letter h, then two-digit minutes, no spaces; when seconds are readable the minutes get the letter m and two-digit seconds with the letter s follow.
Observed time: 6h49
